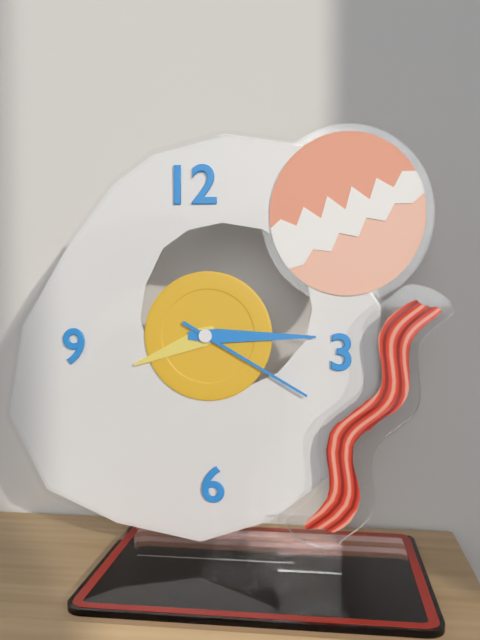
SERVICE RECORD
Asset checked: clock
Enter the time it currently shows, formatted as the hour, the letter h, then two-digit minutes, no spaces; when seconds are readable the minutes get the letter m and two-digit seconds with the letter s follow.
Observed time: 8h15m20s
